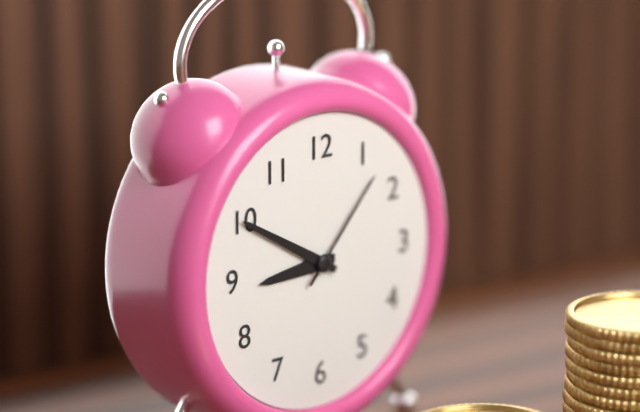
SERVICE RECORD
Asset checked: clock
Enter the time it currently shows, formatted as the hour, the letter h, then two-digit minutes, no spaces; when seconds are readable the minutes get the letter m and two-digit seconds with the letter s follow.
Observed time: 8h50m07s
